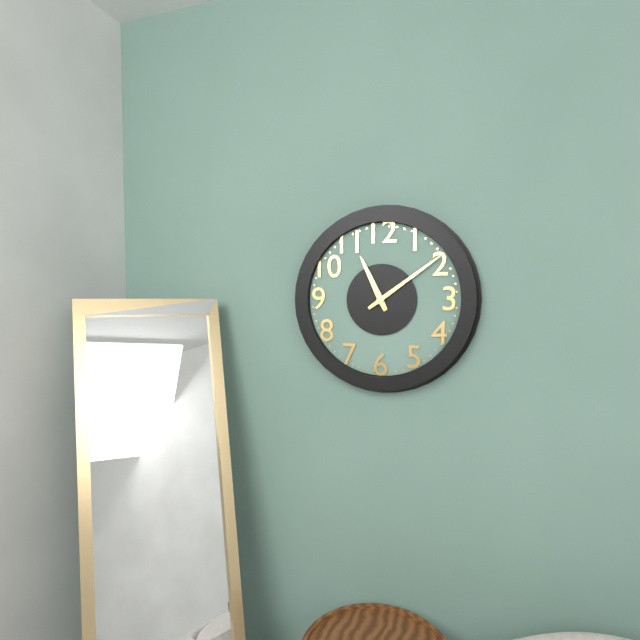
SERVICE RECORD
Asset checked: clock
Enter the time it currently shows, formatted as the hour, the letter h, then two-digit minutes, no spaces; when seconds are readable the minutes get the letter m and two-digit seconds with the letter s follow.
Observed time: 11h09
